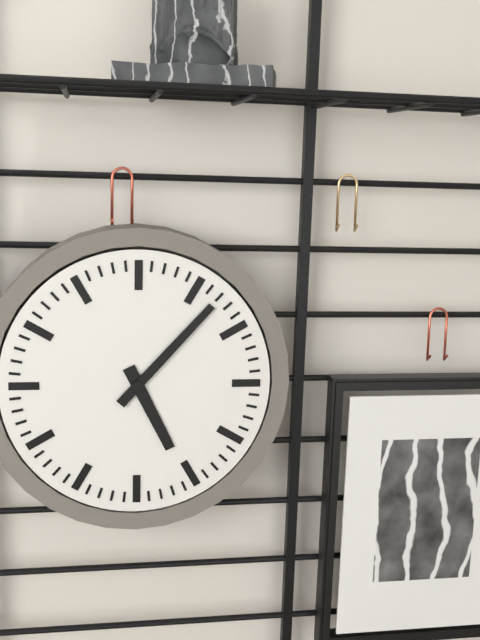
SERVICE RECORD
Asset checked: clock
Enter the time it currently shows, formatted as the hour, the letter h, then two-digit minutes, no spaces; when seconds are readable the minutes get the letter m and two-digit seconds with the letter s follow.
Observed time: 5h07
